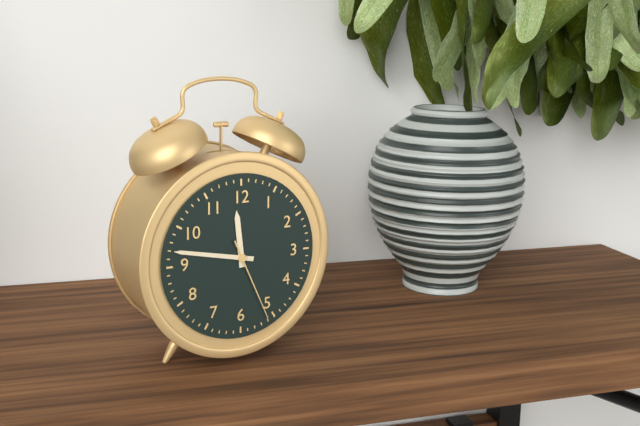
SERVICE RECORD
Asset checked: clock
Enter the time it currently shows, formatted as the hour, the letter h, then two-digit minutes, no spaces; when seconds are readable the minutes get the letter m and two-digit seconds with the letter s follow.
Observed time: 11h47m26s
